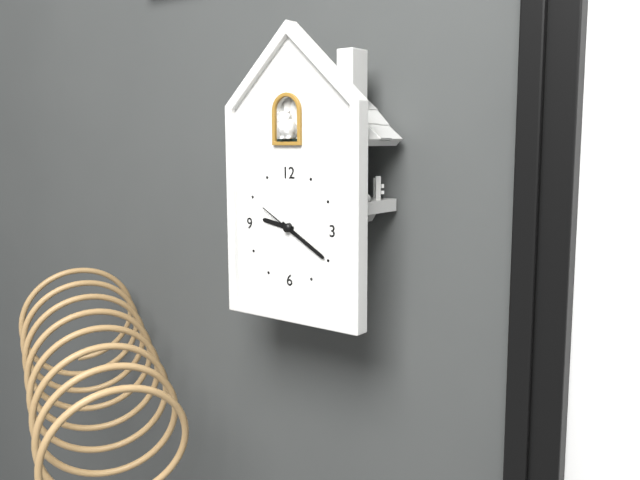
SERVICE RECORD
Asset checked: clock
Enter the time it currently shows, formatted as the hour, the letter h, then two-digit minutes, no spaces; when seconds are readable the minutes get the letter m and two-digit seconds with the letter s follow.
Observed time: 9h20m50s
